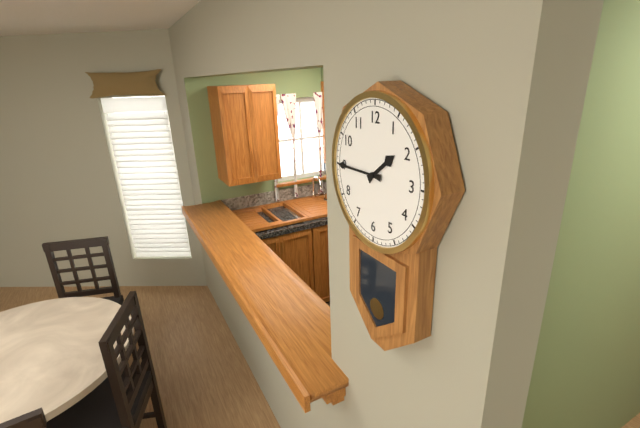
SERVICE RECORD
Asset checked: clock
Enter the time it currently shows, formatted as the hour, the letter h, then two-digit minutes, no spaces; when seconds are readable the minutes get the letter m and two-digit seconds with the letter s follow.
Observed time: 1h45
